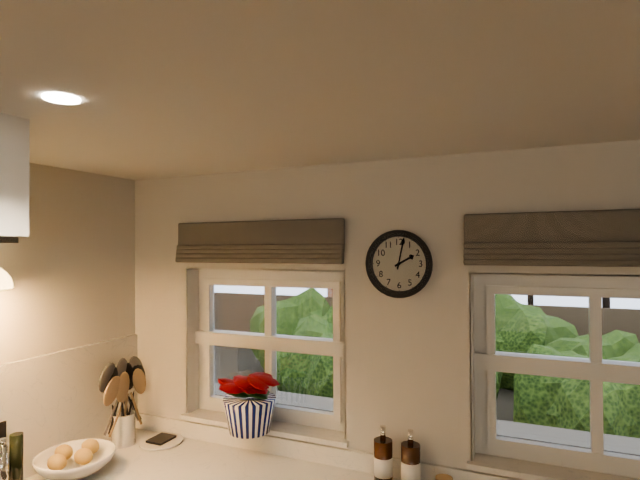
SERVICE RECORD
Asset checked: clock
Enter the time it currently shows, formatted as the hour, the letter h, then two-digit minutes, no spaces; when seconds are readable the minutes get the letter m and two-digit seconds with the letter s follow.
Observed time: 2h02
